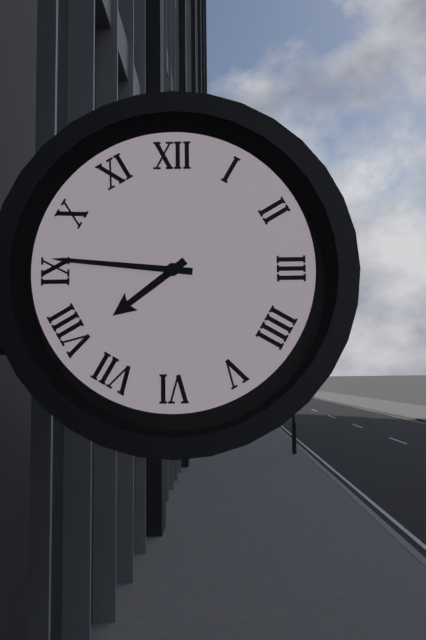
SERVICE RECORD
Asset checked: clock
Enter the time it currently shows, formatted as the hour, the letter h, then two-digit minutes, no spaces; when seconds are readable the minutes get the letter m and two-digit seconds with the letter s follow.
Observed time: 7h46
